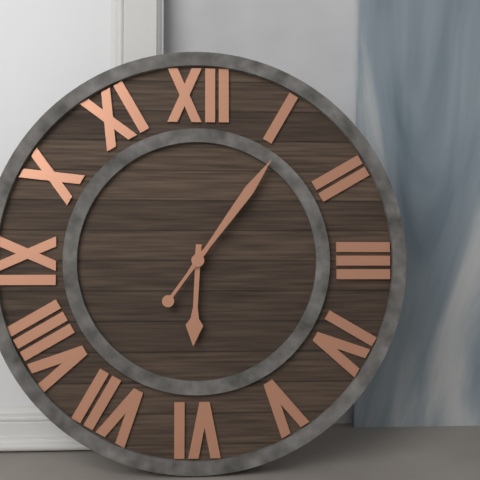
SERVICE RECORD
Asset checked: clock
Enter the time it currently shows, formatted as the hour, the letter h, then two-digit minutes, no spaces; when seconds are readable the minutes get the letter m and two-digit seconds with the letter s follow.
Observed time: 6h06
